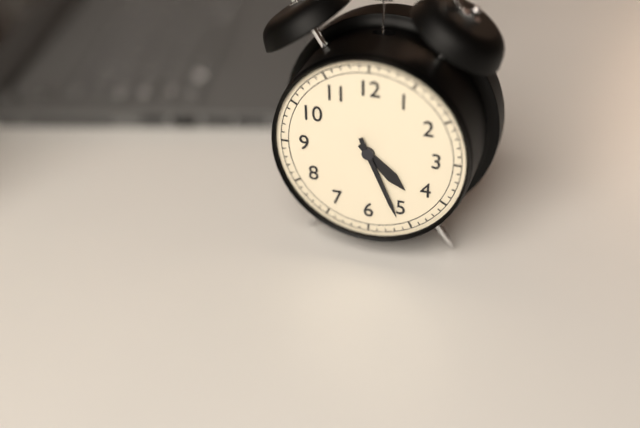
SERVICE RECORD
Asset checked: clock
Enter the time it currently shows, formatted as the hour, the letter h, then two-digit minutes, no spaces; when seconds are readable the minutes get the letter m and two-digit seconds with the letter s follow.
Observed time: 4h26
